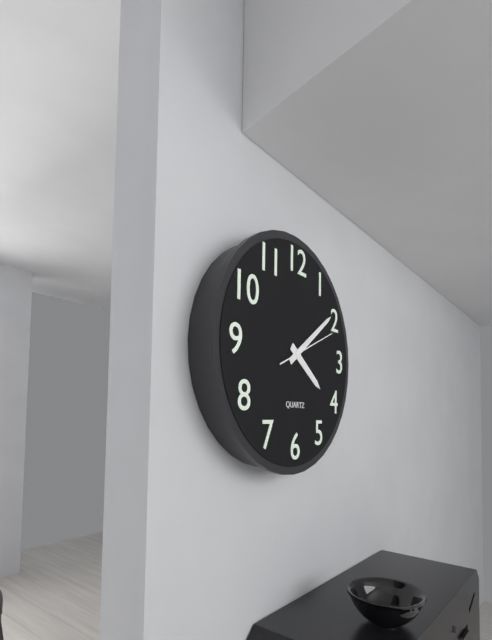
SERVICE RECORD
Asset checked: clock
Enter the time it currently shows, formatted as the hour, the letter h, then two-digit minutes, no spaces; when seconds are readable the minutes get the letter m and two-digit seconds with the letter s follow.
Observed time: 4h09m11s
